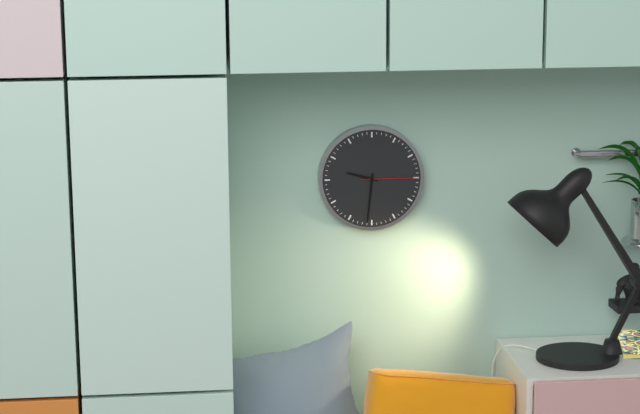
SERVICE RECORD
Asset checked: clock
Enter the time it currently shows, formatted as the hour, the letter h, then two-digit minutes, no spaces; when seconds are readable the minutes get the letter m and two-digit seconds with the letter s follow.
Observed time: 9h31m15s
